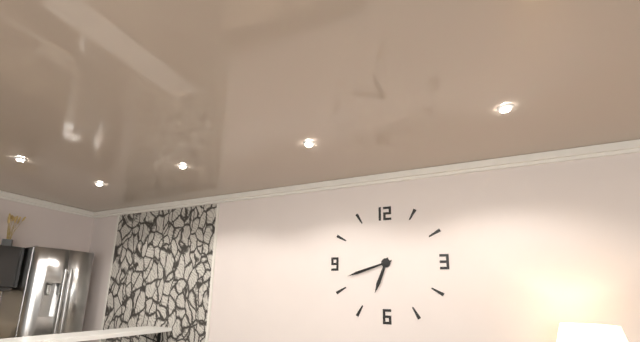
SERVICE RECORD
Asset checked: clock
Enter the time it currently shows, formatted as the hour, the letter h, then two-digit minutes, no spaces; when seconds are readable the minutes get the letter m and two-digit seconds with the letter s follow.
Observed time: 6h42
